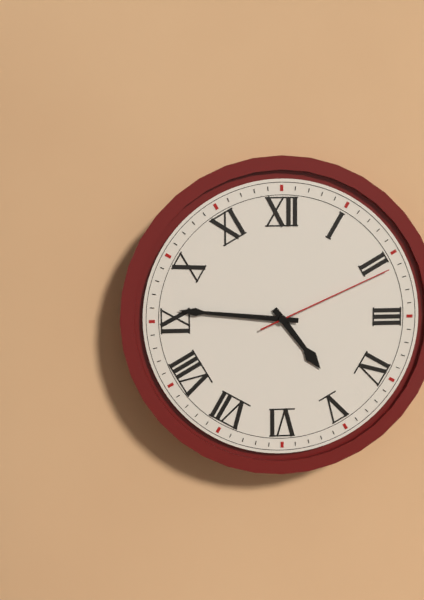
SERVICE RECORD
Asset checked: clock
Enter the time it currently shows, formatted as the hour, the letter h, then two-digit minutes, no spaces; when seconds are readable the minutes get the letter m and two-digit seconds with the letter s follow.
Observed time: 4h46m11s
